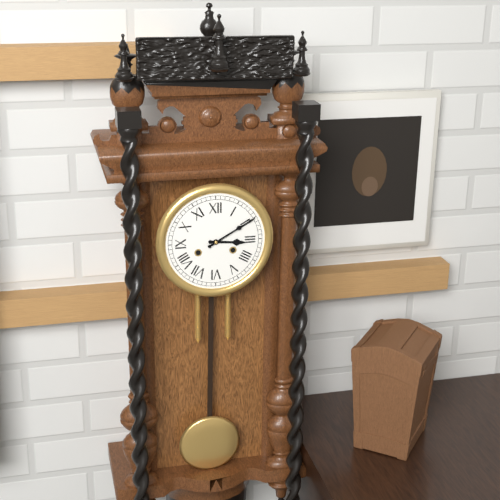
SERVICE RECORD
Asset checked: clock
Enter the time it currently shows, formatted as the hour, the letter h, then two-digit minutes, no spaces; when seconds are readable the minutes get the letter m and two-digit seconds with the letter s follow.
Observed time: 3h10
